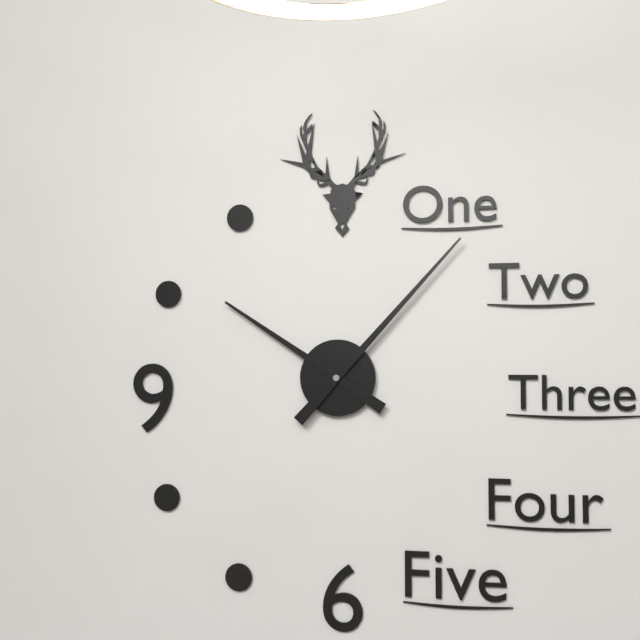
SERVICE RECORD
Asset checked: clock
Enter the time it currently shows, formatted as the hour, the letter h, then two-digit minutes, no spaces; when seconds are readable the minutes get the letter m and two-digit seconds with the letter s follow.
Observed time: 10h07
